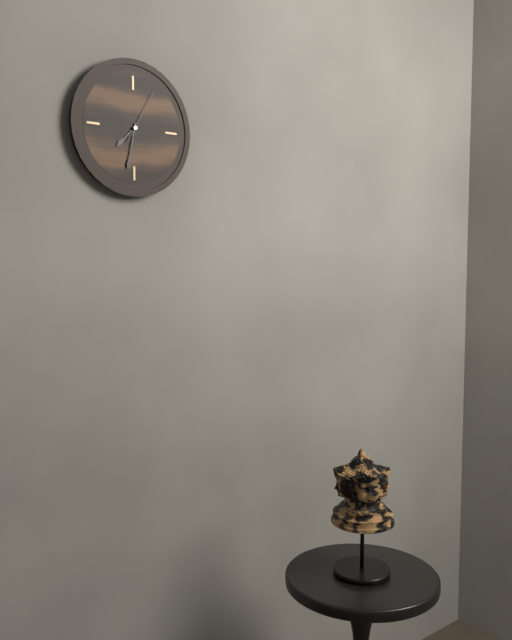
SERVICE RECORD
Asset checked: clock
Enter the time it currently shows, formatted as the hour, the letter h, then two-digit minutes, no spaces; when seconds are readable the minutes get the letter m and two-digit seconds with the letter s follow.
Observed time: 7h32m05s
